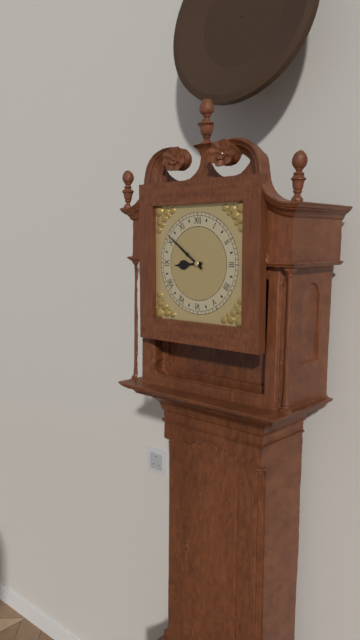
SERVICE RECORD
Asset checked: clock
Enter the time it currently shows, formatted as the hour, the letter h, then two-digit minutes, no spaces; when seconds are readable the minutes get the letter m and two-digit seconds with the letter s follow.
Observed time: 8h51
